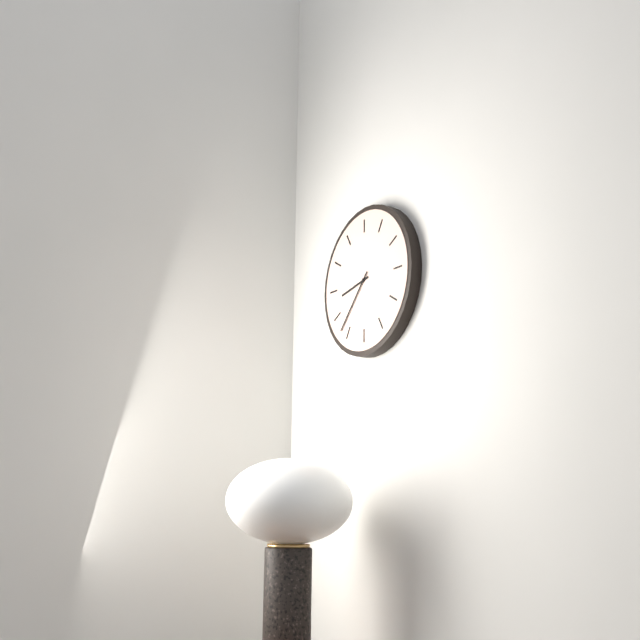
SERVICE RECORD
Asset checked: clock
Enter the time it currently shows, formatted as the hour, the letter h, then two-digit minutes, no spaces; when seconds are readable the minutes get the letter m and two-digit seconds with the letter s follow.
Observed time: 8h37
